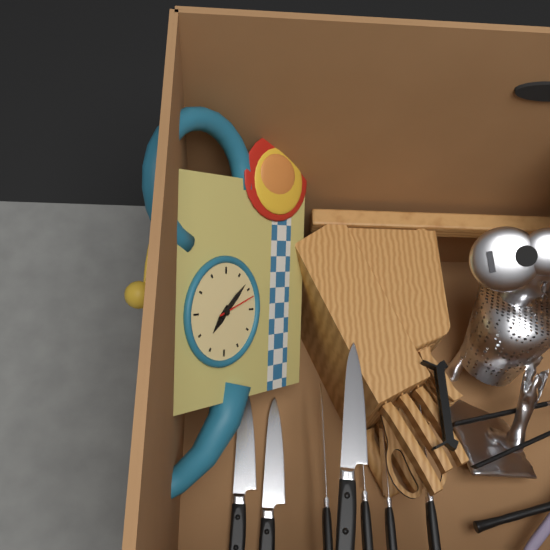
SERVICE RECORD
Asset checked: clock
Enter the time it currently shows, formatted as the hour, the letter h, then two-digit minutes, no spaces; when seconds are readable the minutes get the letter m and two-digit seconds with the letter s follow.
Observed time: 10h23
